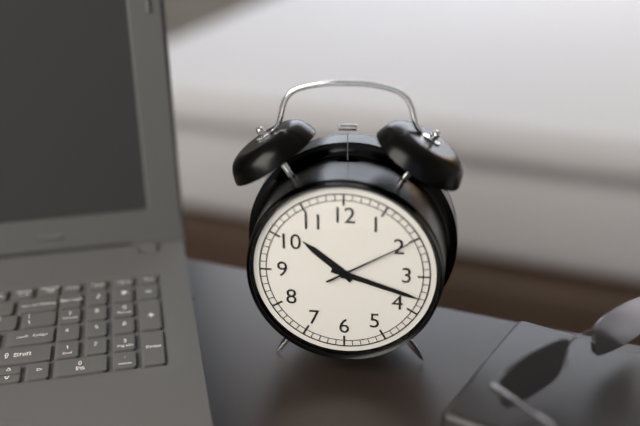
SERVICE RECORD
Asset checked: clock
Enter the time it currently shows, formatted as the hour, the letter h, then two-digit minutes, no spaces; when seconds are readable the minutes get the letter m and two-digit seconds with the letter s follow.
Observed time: 10h18m10s
